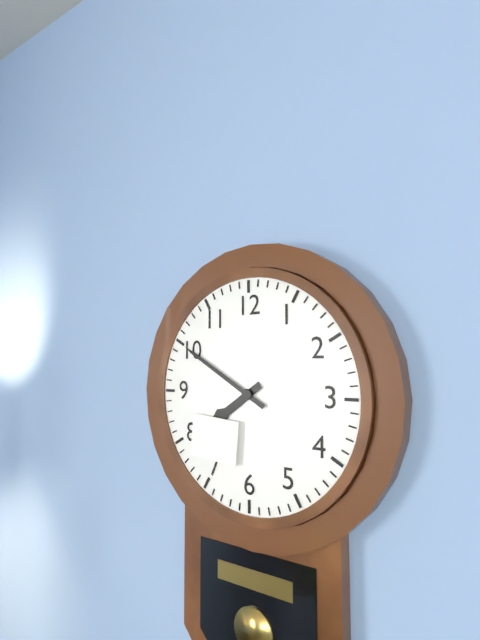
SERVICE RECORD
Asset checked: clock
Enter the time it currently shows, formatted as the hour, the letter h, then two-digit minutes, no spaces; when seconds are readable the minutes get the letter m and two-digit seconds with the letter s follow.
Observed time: 7h50
